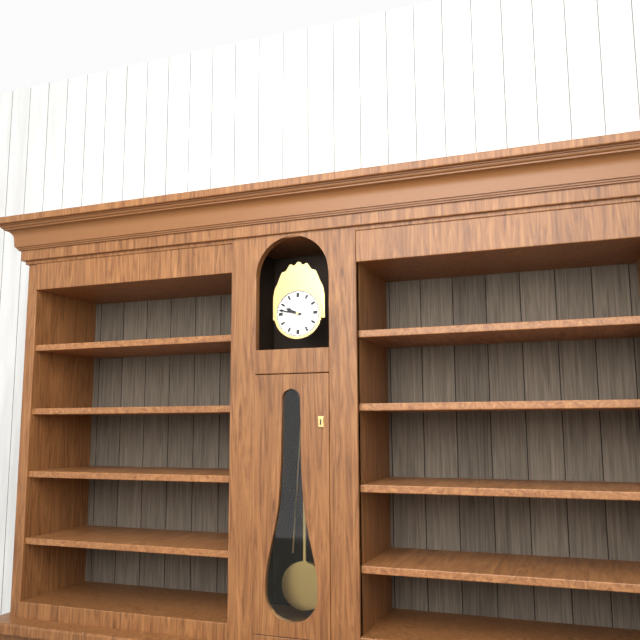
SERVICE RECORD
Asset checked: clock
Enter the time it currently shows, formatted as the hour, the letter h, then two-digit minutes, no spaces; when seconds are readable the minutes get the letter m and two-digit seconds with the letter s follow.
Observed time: 9h47
